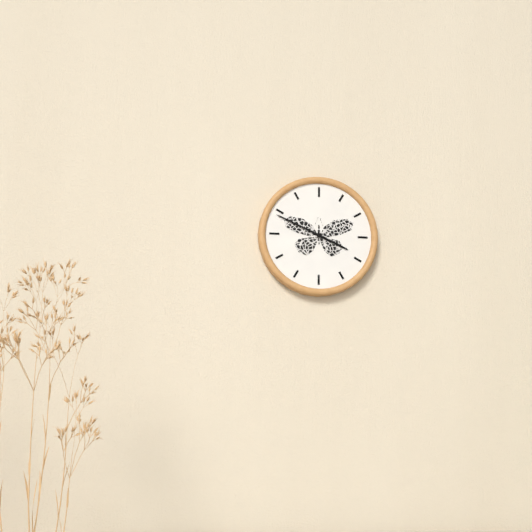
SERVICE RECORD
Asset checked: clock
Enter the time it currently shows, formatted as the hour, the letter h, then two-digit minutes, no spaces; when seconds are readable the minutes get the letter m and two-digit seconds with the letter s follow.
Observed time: 3h49
